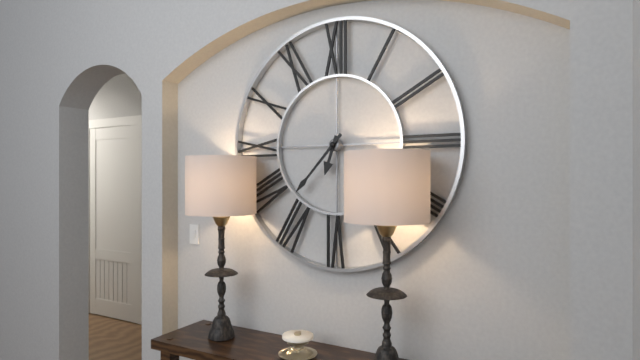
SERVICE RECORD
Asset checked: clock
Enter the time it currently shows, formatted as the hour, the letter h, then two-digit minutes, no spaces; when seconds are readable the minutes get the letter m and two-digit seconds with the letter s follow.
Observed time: 6h37
